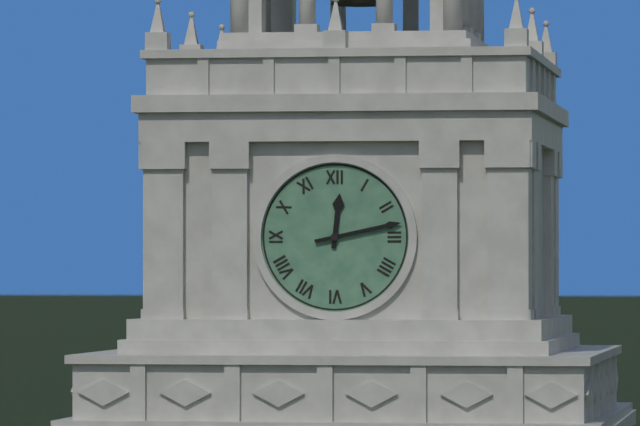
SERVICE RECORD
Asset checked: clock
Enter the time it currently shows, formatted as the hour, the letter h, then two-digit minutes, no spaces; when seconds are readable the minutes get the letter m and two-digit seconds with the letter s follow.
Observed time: 12h13
